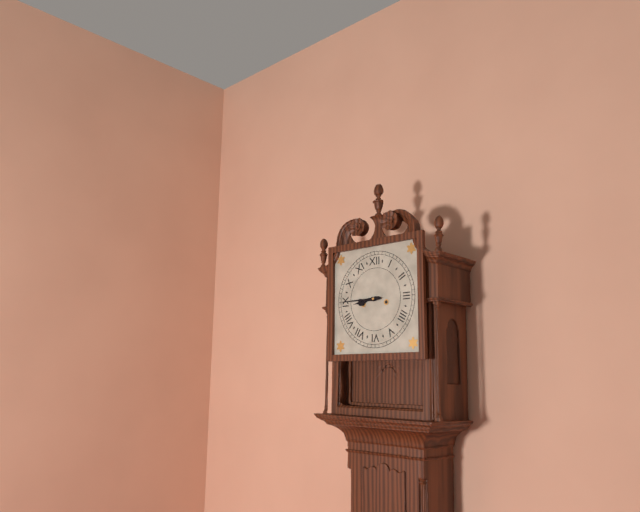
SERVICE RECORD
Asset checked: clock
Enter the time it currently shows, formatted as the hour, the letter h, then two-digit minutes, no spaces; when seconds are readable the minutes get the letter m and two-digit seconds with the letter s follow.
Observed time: 8h45
